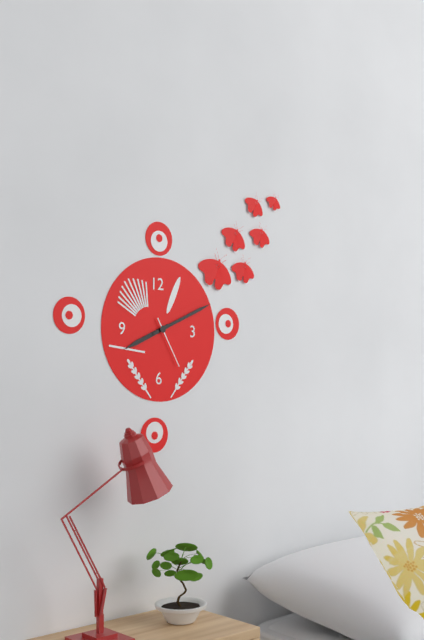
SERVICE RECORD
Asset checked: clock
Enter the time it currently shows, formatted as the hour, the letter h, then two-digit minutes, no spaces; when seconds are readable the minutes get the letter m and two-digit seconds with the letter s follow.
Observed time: 8h11m25s
